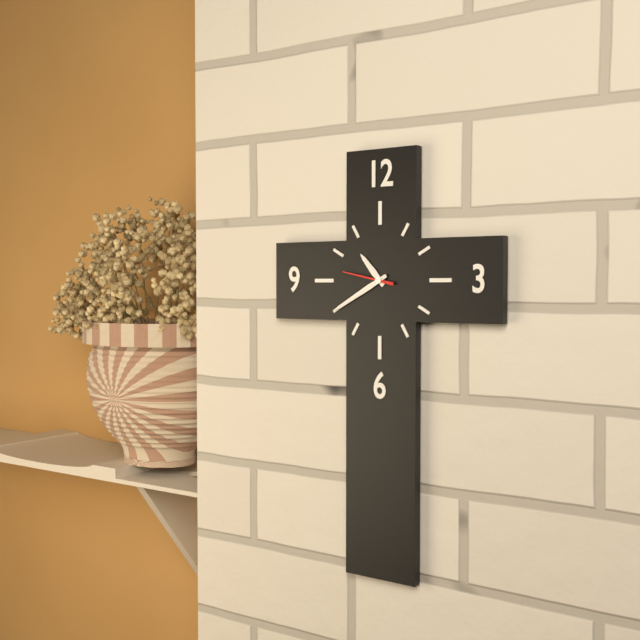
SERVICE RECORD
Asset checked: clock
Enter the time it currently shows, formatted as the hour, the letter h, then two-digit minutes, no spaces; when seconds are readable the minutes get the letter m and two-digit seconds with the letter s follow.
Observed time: 10h40
